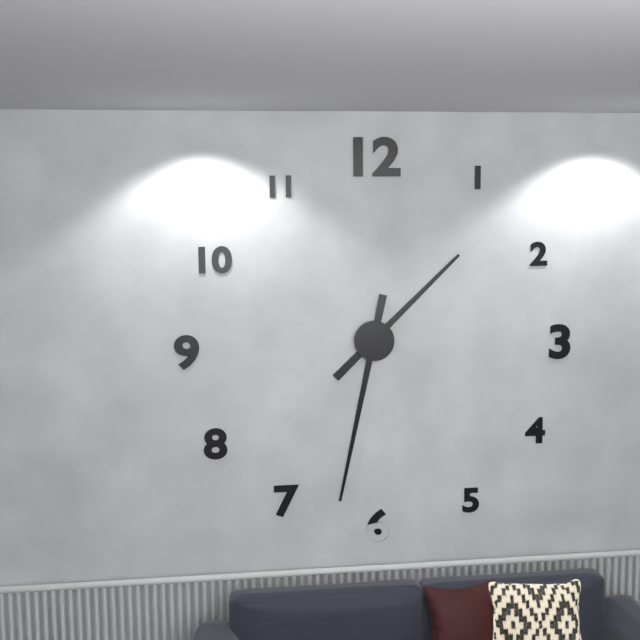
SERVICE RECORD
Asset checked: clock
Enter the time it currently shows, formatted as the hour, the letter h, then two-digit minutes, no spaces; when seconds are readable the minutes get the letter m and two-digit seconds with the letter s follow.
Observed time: 1h32
